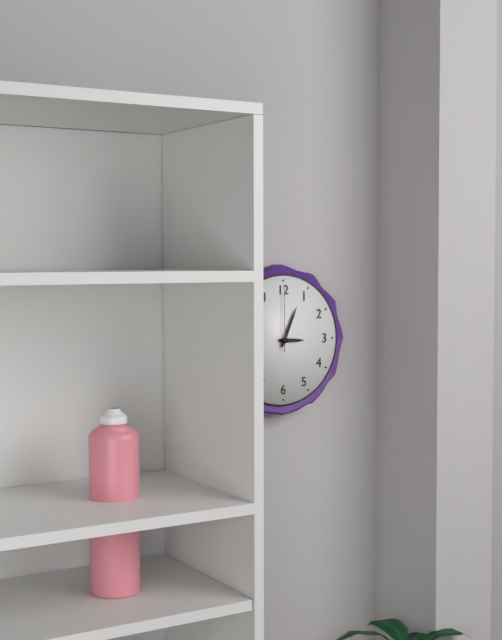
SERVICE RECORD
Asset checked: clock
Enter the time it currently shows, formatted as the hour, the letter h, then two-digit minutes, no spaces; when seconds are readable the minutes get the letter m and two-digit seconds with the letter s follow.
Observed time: 3h04m00s
